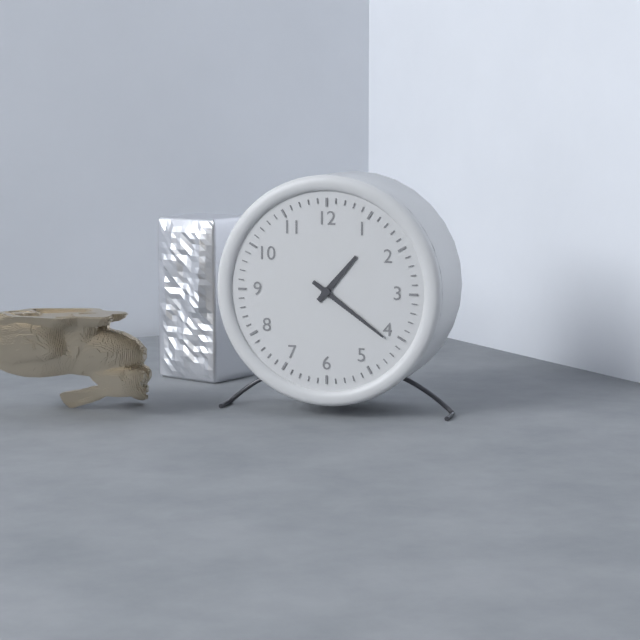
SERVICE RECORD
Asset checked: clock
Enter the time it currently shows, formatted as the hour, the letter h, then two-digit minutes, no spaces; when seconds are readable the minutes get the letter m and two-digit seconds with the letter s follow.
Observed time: 1h21
